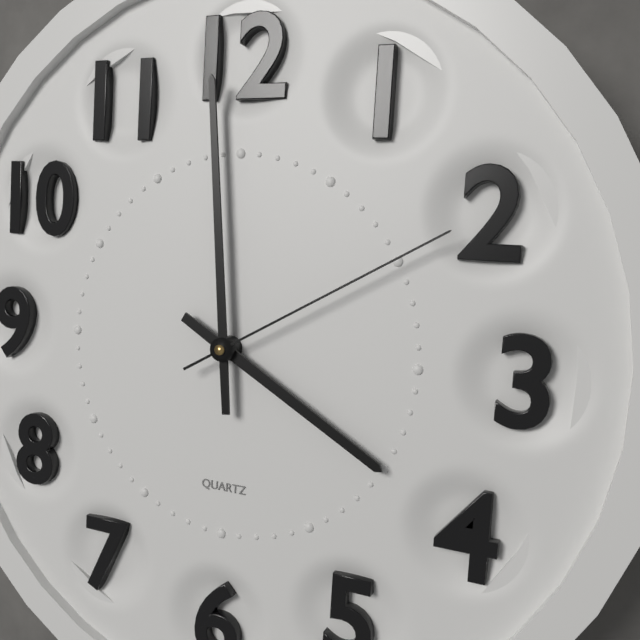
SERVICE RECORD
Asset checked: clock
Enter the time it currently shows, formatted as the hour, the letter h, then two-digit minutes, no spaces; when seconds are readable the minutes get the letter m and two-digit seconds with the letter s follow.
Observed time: 3h59m10s
